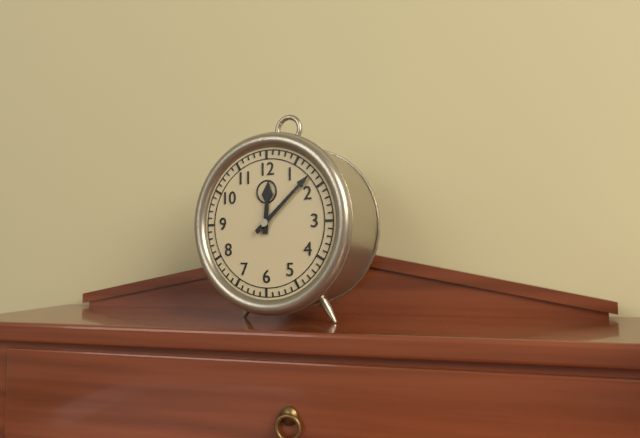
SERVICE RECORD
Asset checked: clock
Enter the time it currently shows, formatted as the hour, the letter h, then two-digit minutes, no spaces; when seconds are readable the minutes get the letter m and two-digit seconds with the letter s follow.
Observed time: 12h08
